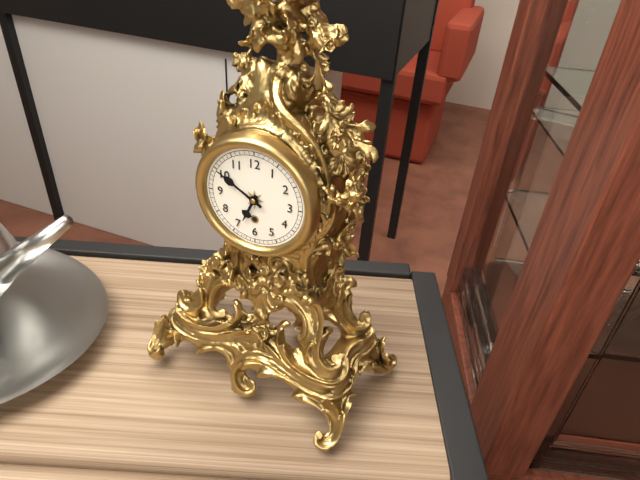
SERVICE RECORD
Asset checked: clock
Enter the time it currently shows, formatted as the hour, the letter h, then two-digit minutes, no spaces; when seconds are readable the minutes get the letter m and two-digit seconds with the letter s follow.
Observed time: 6h50
